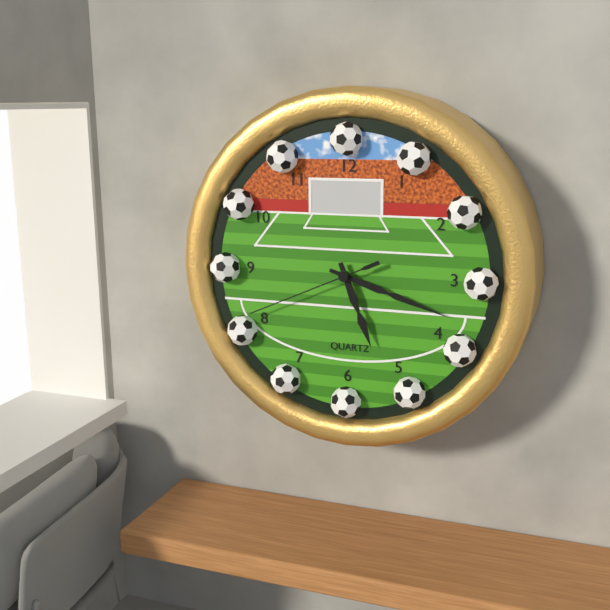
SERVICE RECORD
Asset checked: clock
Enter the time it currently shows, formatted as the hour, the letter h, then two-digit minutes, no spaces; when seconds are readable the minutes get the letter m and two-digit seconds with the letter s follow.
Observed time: 5h18m41s
